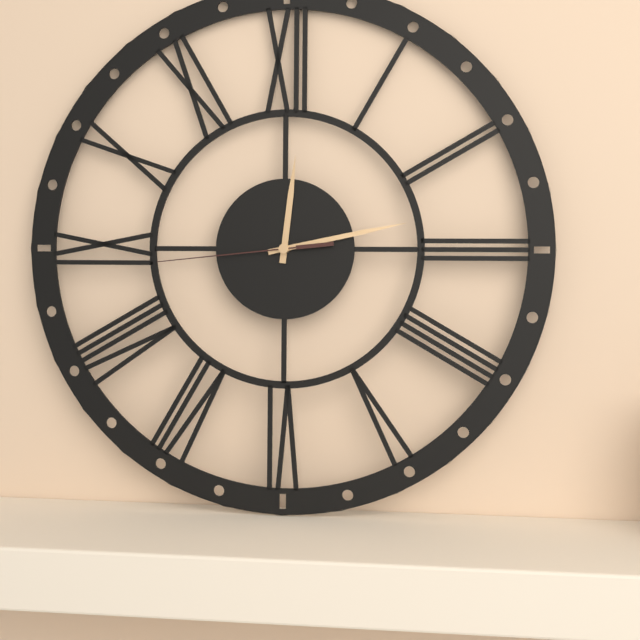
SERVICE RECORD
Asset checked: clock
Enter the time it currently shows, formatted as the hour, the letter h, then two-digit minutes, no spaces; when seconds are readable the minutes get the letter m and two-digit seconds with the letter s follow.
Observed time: 12h13m44s
